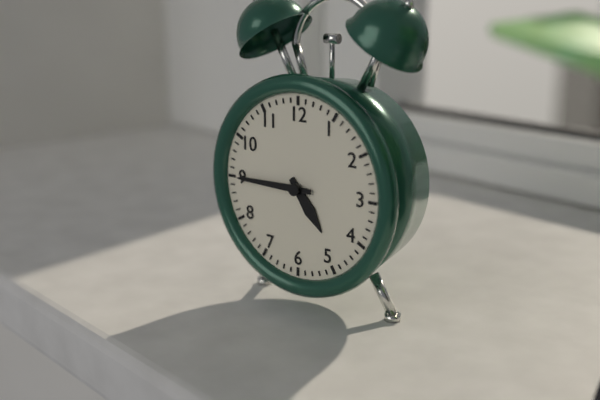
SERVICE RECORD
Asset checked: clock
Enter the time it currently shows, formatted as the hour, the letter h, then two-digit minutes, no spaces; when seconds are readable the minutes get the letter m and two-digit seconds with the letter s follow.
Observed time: 4h45
